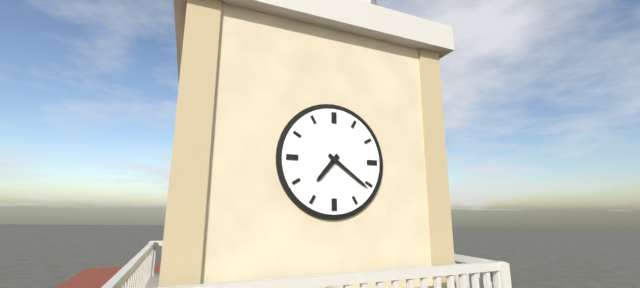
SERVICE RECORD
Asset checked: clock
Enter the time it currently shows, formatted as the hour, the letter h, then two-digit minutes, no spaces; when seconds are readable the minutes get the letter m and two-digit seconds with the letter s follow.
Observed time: 7h21
